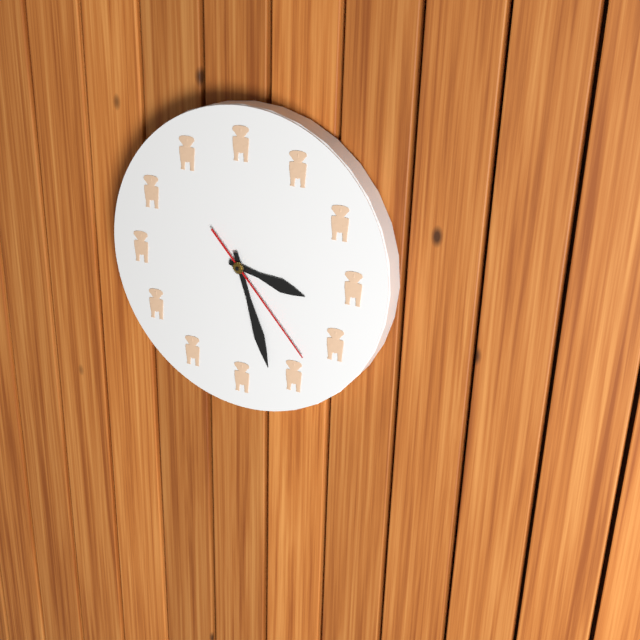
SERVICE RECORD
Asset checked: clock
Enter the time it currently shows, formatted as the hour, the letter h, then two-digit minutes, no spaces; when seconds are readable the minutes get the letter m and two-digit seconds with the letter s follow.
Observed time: 3h27m23s
